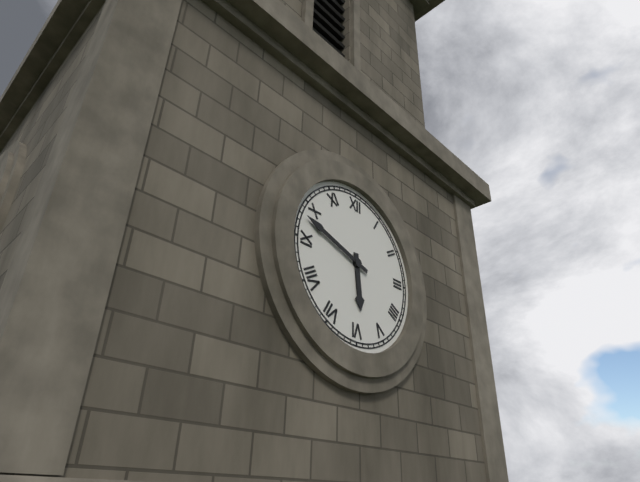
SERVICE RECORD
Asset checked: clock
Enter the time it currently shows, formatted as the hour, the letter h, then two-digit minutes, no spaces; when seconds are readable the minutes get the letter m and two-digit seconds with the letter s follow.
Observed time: 5h48
